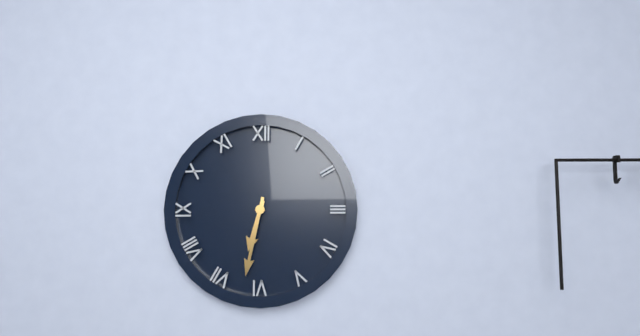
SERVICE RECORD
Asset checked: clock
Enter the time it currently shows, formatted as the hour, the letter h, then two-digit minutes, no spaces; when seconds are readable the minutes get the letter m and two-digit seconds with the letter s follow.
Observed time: 6h32
